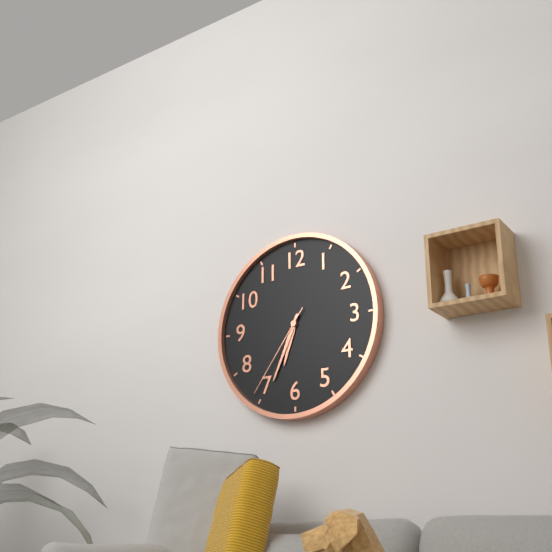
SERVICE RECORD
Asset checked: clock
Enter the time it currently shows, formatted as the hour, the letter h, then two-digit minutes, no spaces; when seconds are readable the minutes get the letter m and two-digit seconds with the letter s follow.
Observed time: 6h34m36s
